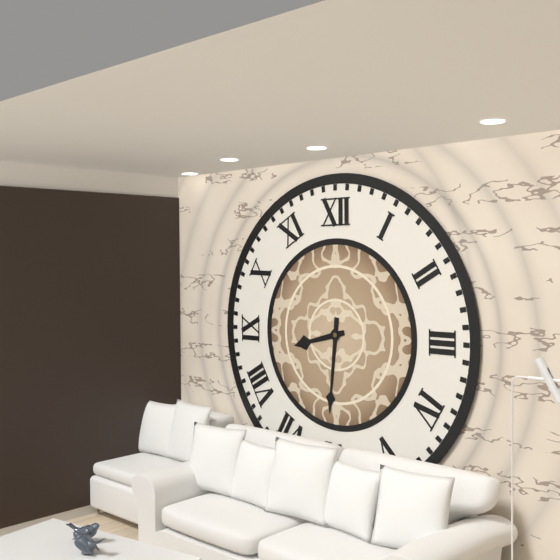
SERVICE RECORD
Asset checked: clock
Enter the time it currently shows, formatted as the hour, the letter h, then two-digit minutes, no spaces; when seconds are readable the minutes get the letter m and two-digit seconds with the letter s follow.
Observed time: 8h31
